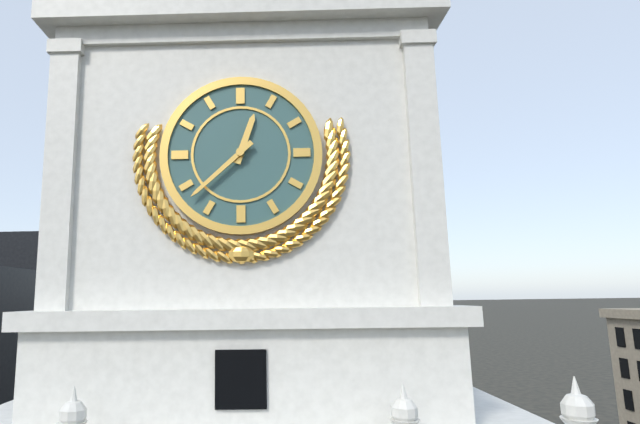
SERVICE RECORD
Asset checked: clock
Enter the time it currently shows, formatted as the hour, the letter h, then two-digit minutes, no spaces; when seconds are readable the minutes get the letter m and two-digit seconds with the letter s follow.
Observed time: 12h38
